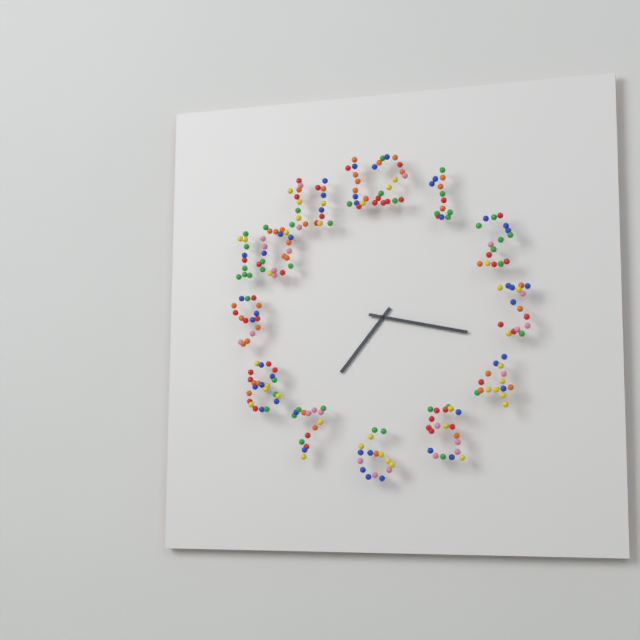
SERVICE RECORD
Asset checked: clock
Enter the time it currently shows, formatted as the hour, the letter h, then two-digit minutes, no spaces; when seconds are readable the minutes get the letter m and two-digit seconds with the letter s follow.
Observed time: 7h17
